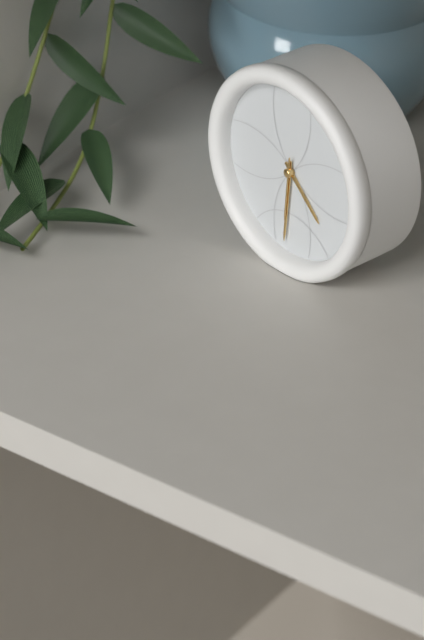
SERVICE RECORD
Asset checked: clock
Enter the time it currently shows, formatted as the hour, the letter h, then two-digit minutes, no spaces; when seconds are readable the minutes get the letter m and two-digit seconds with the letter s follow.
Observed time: 4h31m31s
